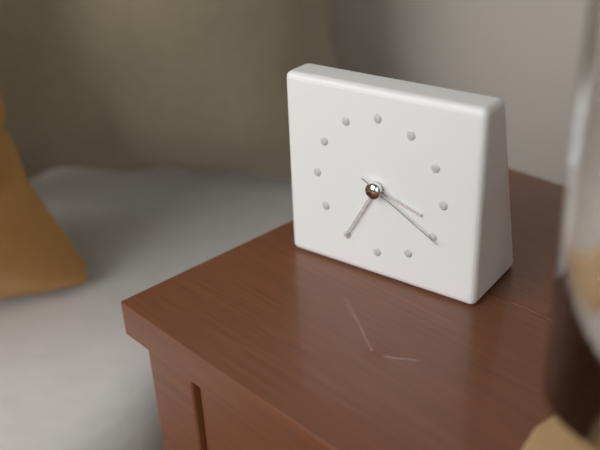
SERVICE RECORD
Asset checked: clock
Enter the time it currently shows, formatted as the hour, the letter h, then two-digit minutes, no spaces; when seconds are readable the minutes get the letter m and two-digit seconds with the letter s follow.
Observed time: 3h35m20s
